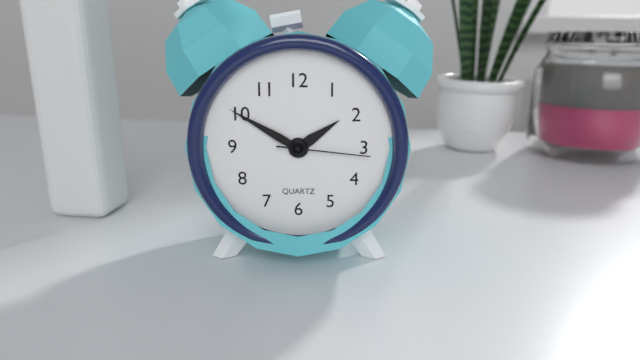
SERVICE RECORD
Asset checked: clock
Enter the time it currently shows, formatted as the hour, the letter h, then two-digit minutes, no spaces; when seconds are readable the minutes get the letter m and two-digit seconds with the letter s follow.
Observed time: 1h50m16s
